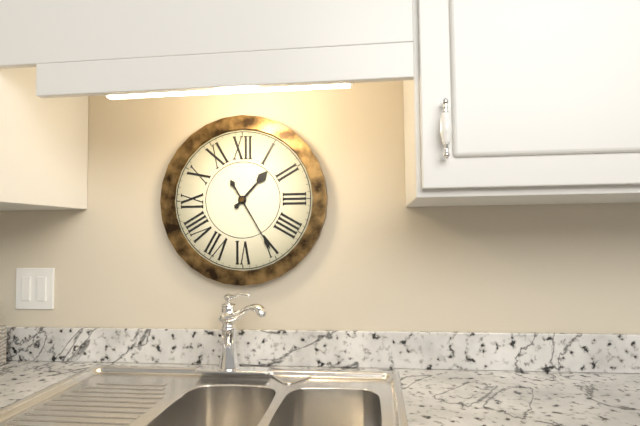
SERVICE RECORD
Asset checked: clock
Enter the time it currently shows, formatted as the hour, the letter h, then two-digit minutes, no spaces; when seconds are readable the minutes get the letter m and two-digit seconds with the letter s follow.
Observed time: 1h25
